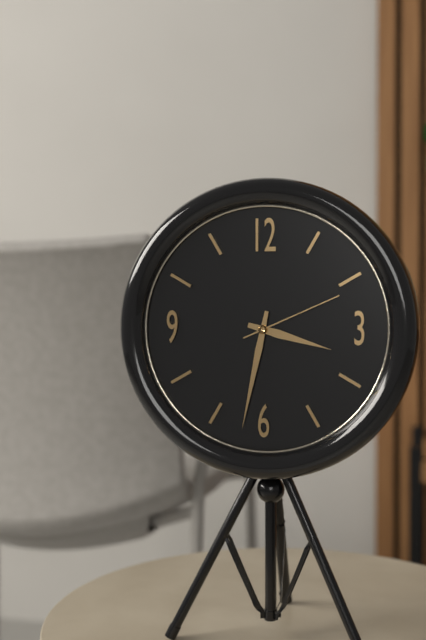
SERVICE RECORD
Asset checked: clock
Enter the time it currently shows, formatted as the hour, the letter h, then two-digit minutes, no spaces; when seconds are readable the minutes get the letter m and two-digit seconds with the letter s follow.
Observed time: 3h32m11s
